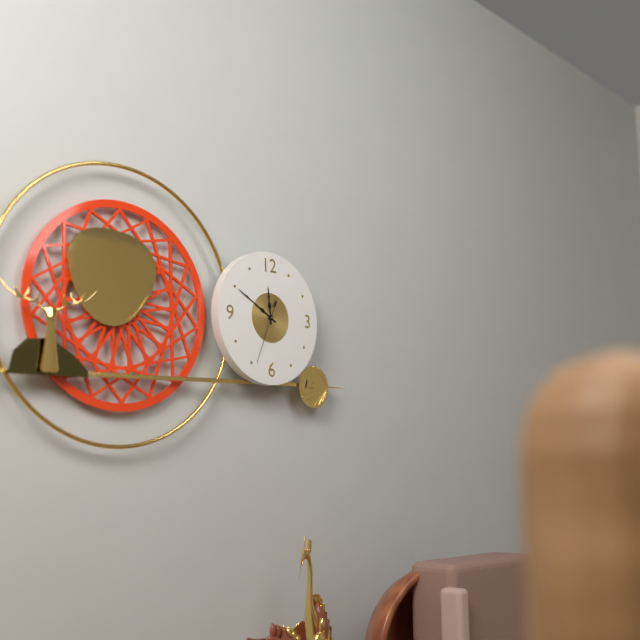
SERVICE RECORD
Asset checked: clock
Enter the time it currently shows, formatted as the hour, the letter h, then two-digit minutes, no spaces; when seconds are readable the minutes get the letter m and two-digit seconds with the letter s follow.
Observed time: 11h50m34s
